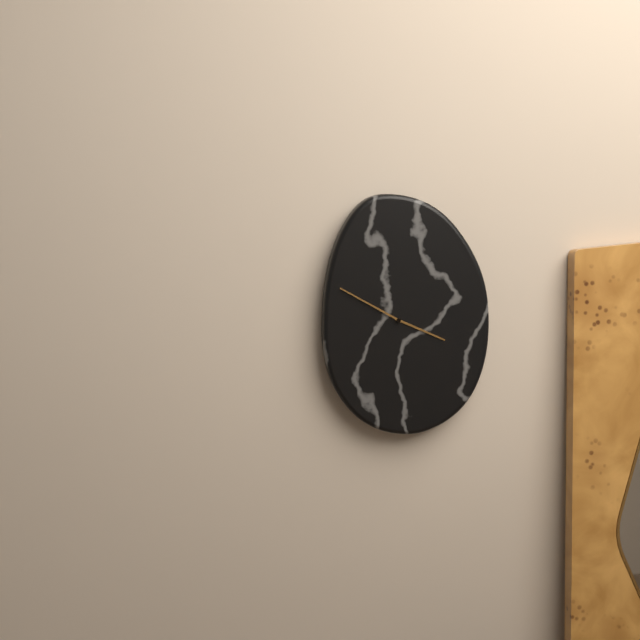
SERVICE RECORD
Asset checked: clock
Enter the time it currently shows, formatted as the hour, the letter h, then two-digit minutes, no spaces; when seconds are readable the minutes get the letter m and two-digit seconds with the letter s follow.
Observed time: 3h50
